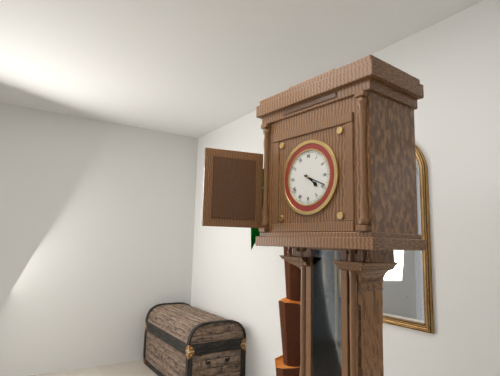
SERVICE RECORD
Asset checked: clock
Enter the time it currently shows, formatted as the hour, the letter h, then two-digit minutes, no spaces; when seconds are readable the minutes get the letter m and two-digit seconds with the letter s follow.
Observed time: 4h19
